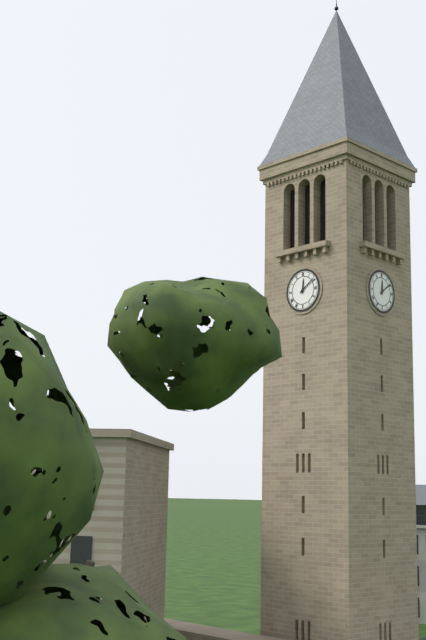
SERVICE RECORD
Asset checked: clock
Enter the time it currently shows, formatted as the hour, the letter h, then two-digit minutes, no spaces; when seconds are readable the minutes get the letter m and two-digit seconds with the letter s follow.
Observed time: 12h09
